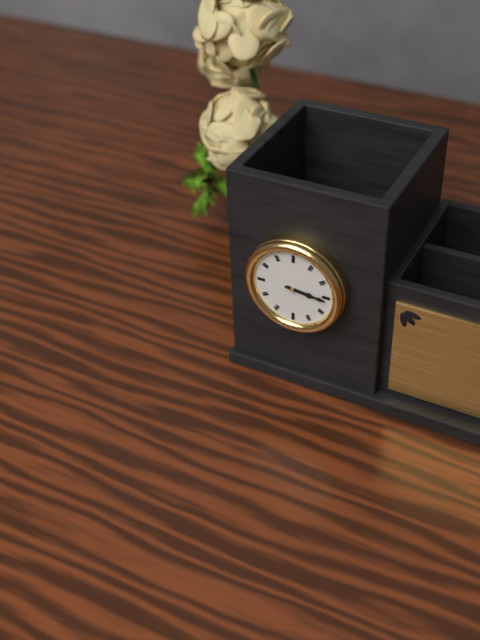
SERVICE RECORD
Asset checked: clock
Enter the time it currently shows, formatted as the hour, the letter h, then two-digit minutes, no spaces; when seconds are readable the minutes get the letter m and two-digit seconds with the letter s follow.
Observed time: 3h16
